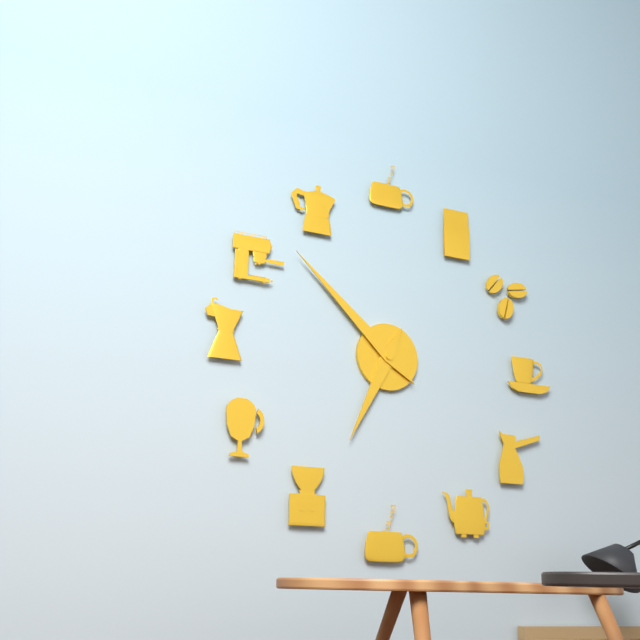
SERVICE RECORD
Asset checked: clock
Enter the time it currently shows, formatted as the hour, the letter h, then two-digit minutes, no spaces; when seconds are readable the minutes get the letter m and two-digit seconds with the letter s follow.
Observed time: 6h52
